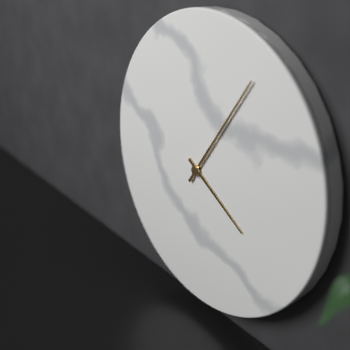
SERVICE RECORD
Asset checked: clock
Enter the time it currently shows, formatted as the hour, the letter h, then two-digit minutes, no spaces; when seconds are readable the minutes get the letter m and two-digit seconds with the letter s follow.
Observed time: 4h06
